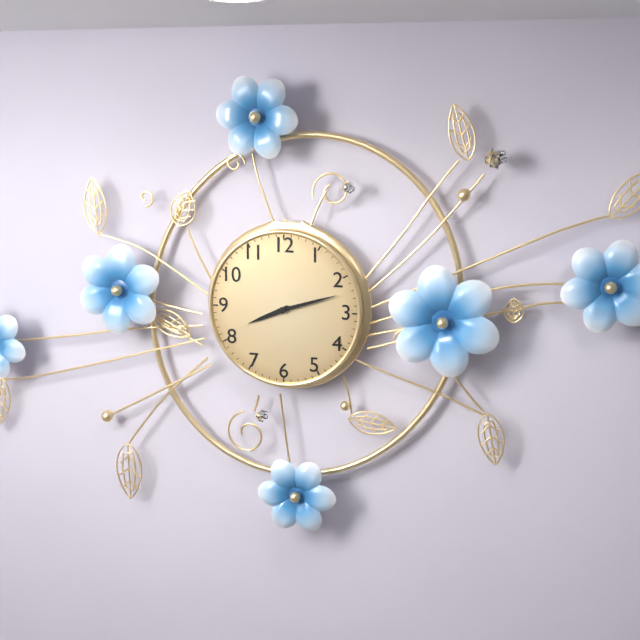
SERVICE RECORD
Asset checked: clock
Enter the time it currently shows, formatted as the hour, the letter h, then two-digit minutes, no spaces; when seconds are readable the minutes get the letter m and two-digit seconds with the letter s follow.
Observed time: 8h12
